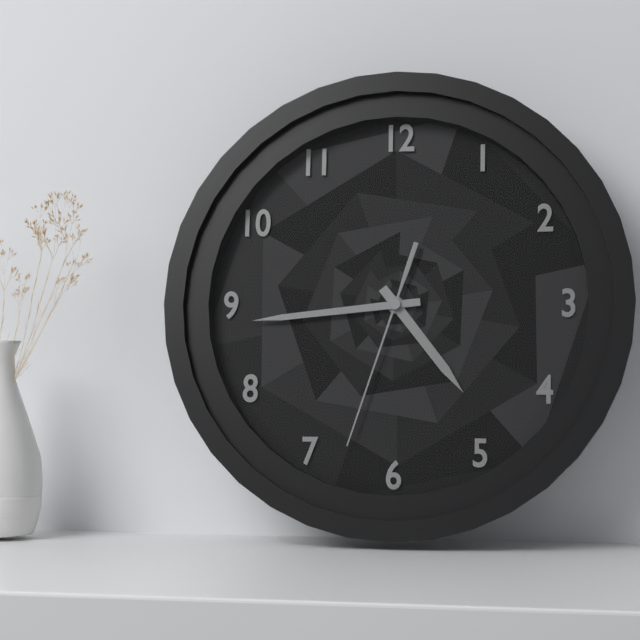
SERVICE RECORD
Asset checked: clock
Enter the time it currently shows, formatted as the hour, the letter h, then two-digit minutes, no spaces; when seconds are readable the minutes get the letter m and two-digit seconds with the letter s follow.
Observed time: 4h44m33s
